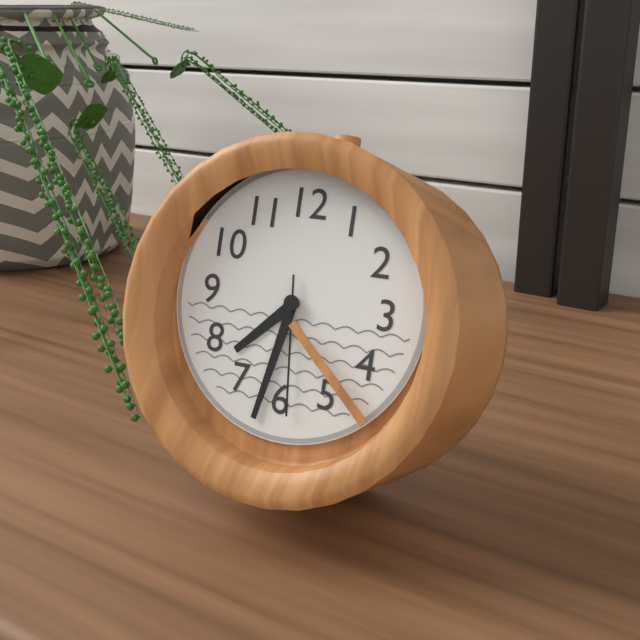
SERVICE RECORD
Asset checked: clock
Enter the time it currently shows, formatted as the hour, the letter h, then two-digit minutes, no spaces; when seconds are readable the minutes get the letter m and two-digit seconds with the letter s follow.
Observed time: 7h32m29s
